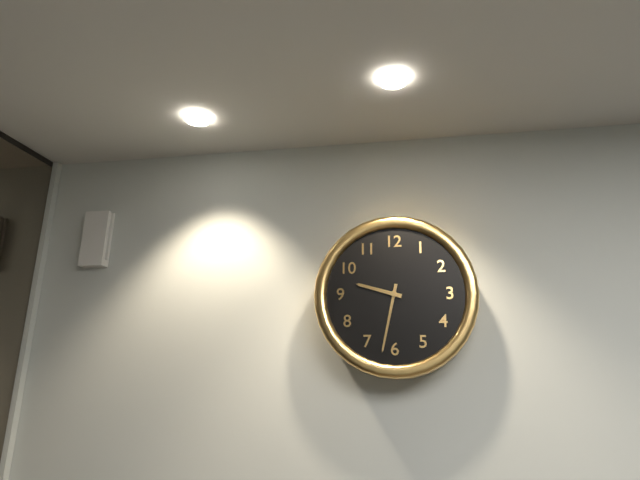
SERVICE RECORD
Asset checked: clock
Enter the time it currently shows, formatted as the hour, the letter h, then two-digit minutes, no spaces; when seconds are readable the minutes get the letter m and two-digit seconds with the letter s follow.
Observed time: 9h32
